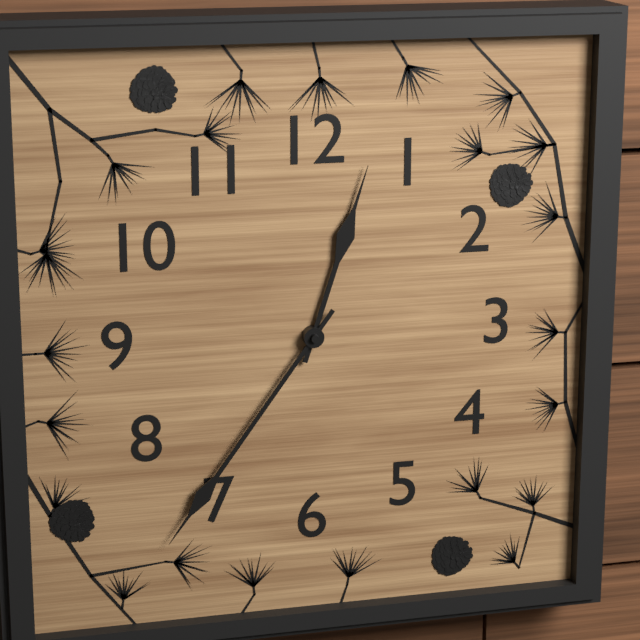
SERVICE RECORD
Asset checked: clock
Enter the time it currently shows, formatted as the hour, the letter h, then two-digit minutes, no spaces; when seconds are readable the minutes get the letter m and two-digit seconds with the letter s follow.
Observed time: 12h36
